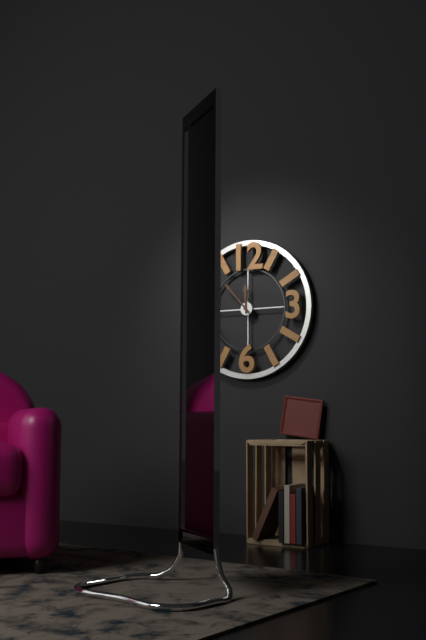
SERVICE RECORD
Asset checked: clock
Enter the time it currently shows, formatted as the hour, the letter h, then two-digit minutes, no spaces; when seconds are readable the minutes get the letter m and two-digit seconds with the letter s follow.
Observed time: 11h53
